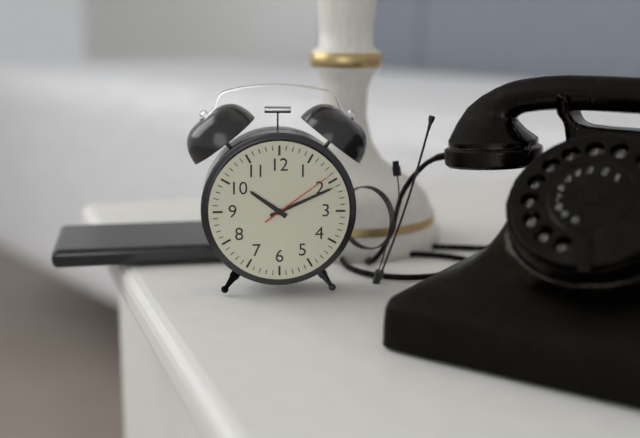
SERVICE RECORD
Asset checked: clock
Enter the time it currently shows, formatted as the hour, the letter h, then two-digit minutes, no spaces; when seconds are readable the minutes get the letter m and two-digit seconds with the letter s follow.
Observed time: 10h11m09s
